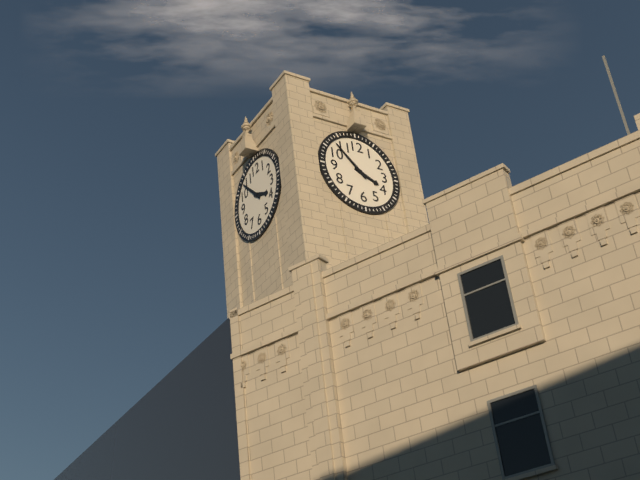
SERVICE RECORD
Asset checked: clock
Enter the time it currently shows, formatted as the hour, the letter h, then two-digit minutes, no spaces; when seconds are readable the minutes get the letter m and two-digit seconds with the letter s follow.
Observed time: 3h53
